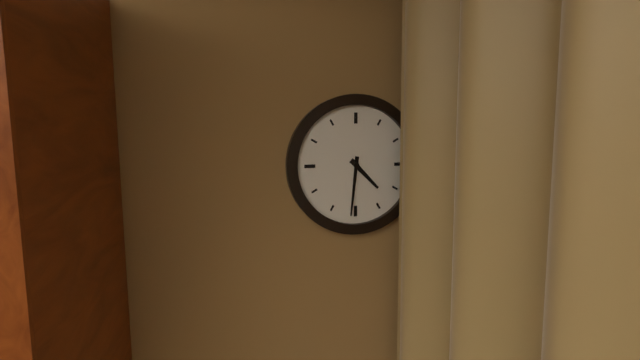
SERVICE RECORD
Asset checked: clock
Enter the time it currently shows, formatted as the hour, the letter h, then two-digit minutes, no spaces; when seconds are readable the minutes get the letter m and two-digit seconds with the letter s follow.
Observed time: 4h31
